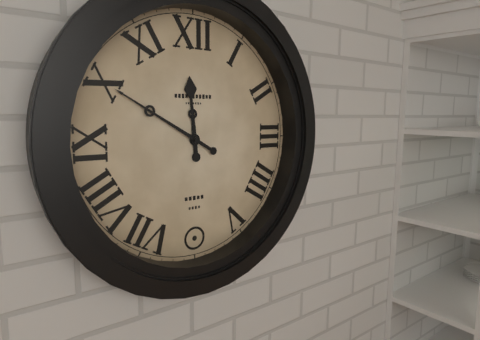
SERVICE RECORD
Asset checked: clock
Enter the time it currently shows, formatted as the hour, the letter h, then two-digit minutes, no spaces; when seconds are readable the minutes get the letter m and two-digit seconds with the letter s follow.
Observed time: 11h50
